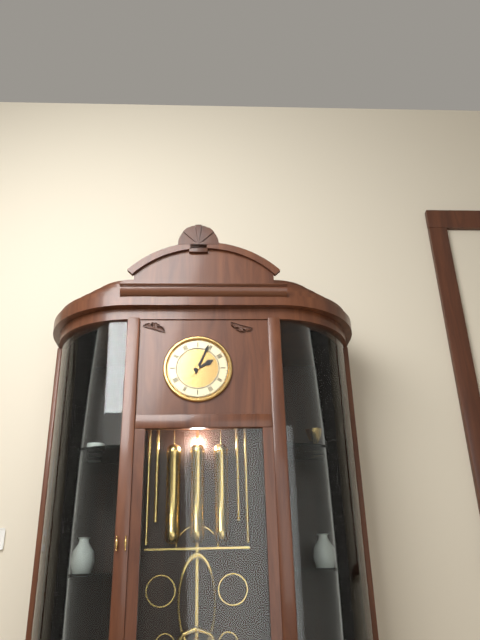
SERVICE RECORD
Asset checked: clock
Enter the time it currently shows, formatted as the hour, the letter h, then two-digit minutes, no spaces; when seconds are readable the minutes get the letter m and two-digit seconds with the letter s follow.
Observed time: 2h04
